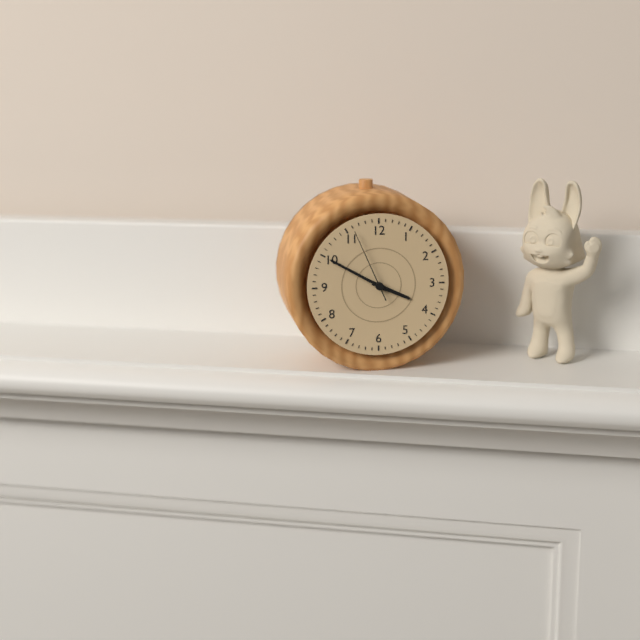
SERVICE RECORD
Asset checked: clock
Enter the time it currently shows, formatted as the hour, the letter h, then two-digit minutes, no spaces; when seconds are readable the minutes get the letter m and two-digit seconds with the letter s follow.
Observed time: 3h50m56s
